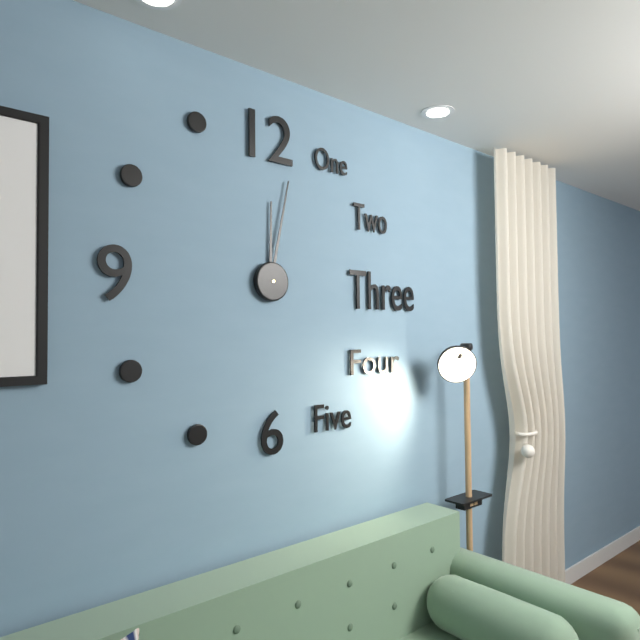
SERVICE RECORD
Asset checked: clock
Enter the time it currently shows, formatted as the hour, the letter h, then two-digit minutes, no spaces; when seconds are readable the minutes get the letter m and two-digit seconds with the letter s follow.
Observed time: 12h02
